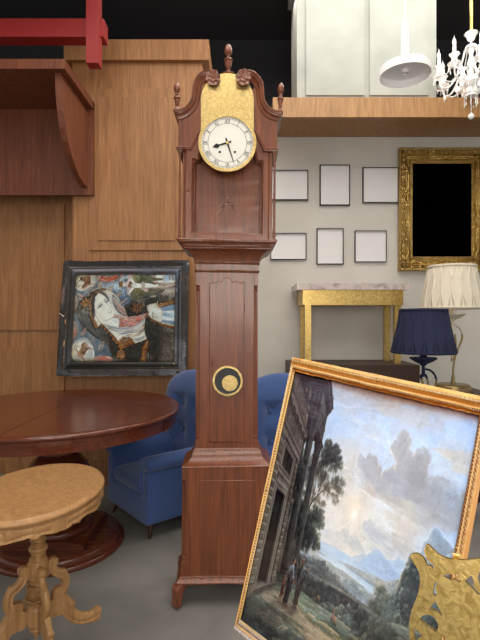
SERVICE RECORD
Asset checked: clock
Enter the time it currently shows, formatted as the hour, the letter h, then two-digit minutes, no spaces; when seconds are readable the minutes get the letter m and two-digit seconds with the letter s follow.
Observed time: 8h27
